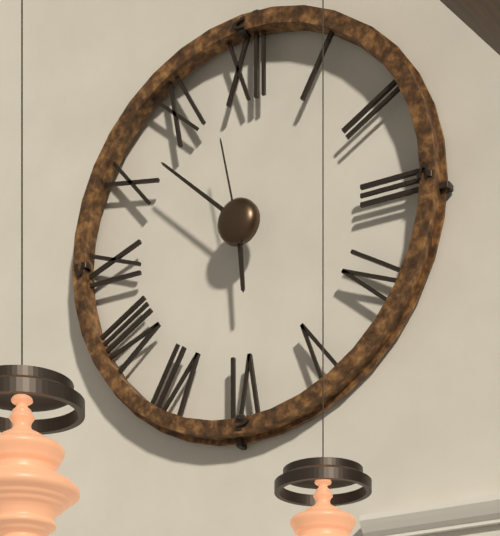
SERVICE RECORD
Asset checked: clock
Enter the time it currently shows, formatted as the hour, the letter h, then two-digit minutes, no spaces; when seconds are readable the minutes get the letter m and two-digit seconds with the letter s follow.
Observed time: 5h52m58s
